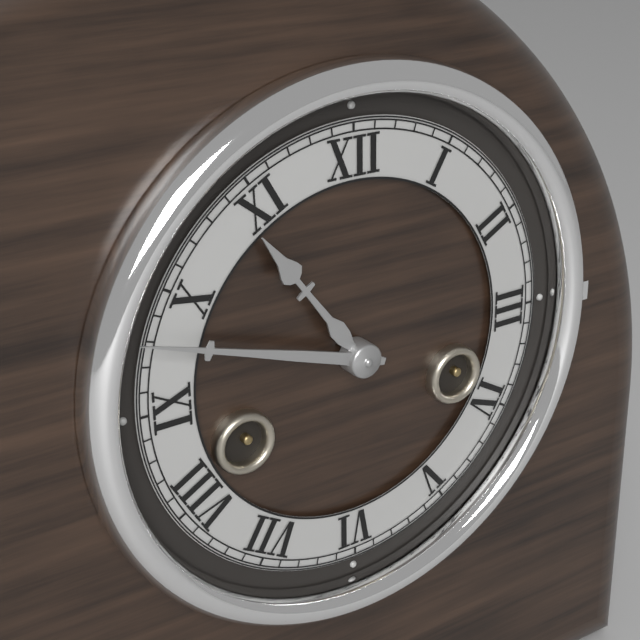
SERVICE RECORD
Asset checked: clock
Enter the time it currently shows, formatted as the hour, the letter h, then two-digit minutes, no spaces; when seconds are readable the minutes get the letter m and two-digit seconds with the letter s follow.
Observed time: 10h48
